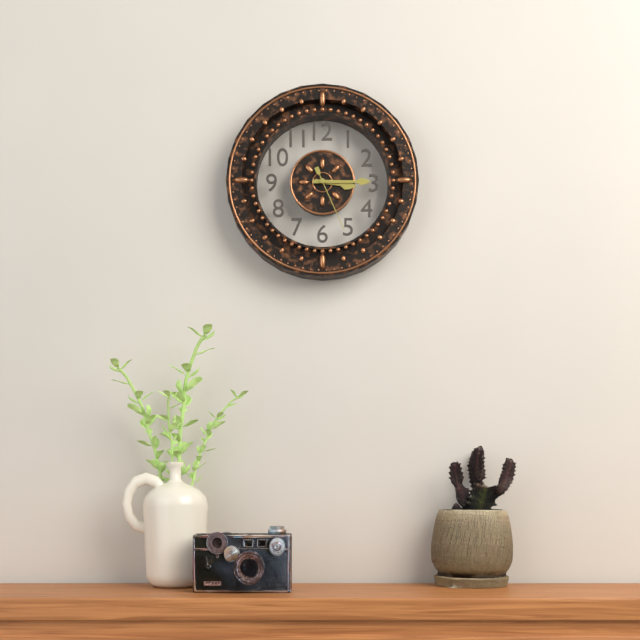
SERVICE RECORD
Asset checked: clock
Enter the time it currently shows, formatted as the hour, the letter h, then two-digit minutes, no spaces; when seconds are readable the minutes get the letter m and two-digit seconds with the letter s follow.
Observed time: 3h15m26s
